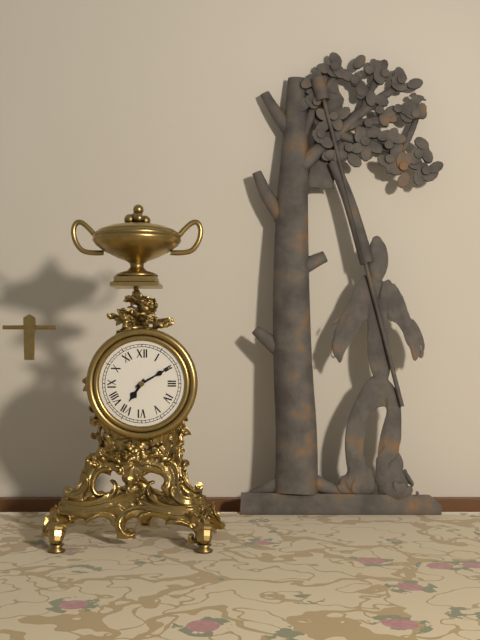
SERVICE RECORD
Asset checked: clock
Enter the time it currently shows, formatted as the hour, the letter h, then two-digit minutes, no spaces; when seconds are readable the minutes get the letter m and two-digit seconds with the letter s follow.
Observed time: 7h10
